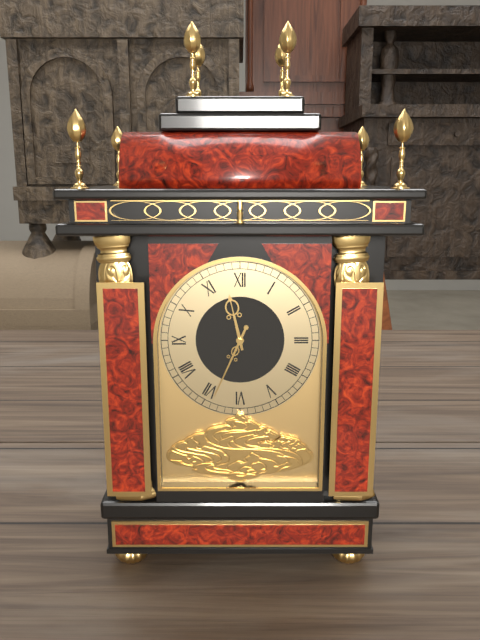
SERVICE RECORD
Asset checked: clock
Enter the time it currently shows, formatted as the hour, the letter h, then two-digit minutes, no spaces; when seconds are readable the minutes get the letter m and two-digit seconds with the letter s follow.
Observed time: 11h34
